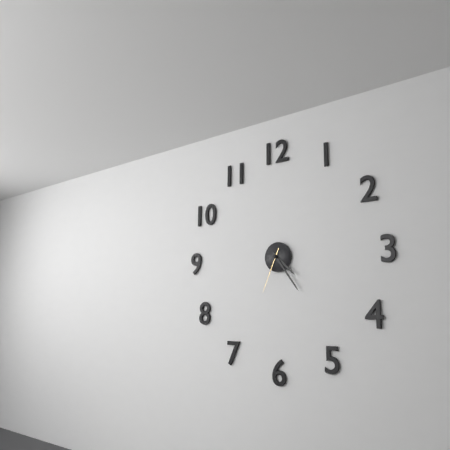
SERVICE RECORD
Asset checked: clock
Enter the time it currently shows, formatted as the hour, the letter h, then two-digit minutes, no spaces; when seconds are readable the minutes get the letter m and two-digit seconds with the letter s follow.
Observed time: 4h24
